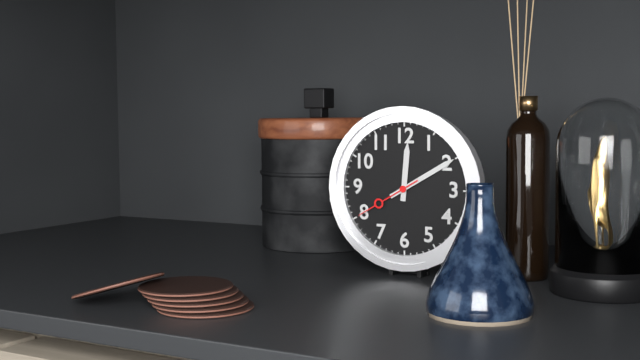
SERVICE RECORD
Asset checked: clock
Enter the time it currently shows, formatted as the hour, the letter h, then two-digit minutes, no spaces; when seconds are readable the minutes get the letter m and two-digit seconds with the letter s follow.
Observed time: 12h10m40s
